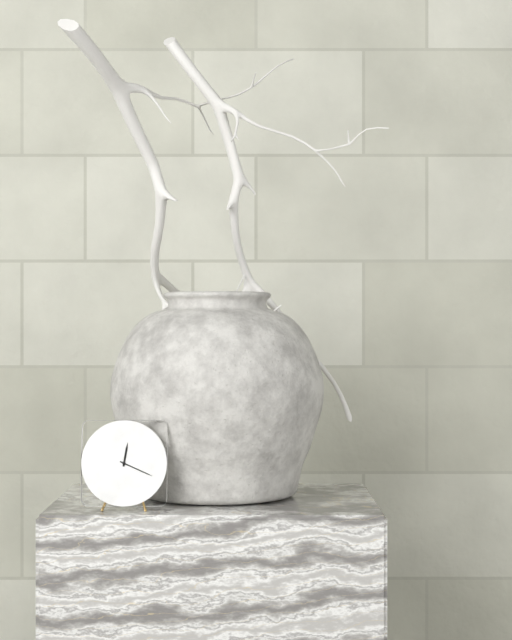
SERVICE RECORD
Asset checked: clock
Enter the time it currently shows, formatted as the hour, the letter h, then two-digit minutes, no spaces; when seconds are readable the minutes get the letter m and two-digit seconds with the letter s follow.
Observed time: 12h19
